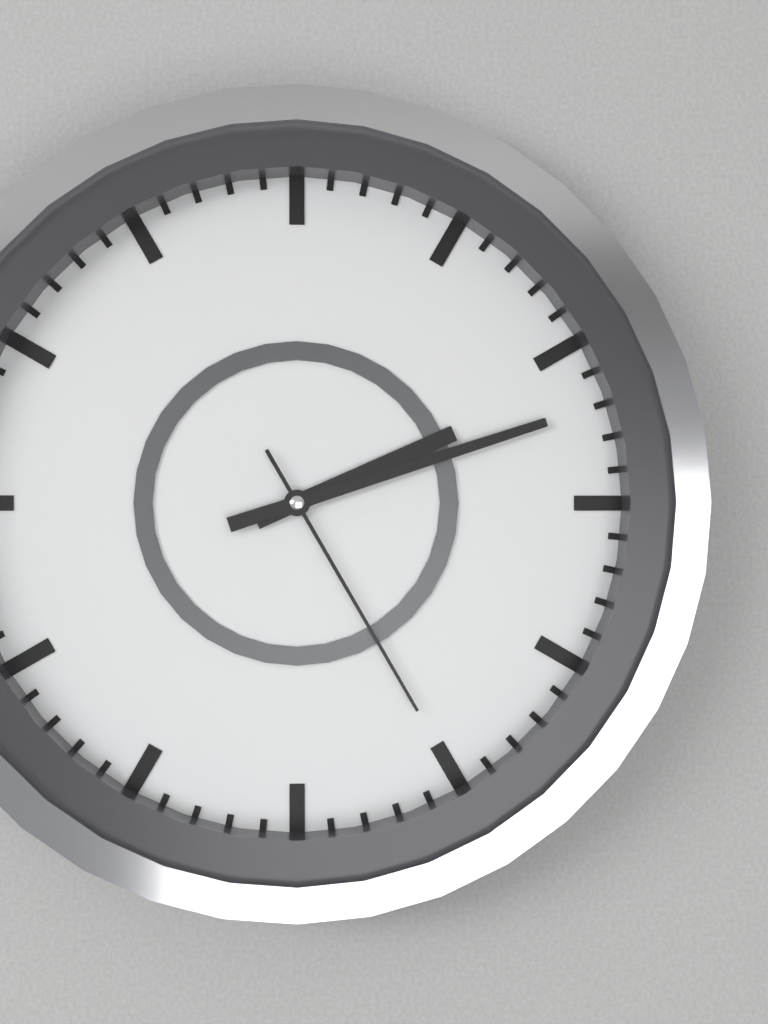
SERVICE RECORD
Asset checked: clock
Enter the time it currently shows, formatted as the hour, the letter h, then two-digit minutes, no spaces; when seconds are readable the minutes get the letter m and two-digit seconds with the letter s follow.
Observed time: 2h12m25s
